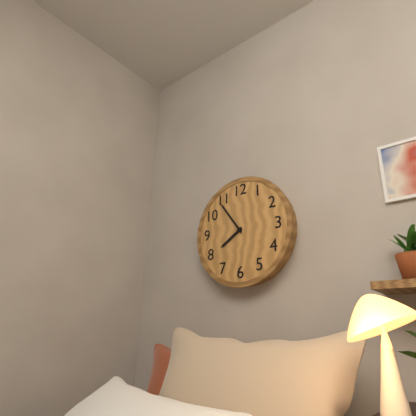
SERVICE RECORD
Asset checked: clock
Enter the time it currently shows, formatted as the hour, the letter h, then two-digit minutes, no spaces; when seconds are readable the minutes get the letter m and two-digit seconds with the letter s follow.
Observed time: 7h54
